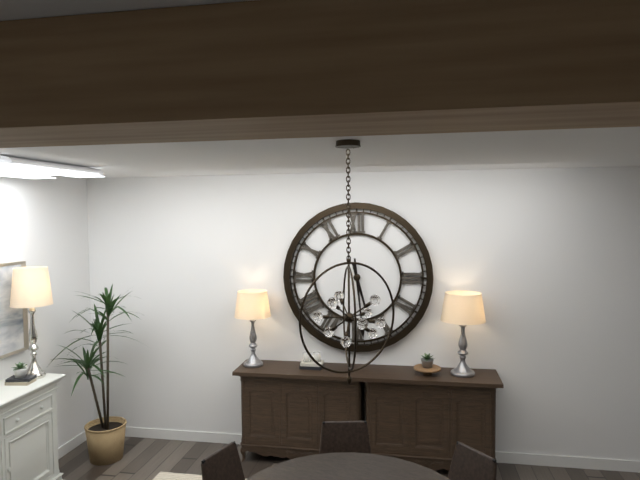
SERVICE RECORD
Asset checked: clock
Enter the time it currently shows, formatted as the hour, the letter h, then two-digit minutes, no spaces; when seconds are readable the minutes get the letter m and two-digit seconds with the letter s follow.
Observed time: 5h29
